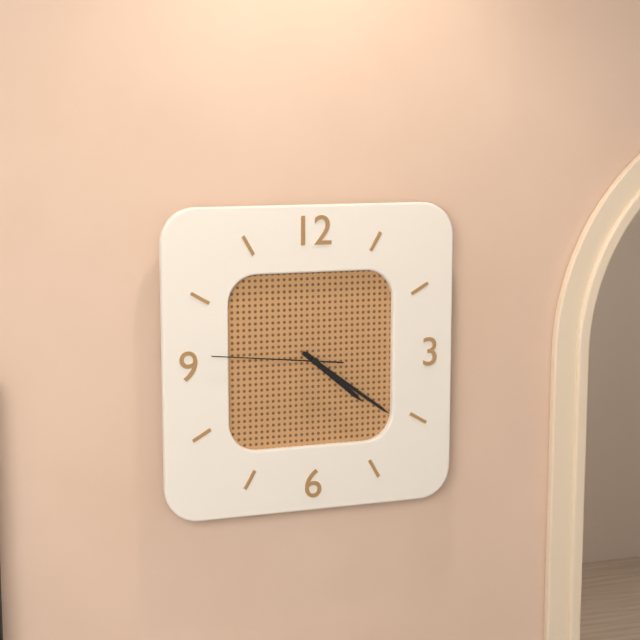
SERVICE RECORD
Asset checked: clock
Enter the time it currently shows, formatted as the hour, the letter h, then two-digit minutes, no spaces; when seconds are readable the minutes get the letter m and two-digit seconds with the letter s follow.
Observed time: 4h21m46s
